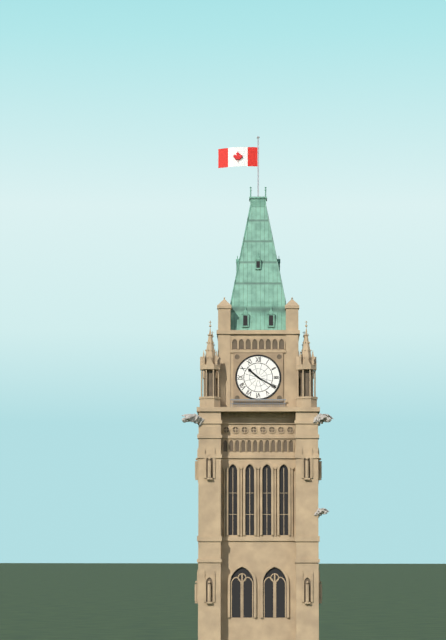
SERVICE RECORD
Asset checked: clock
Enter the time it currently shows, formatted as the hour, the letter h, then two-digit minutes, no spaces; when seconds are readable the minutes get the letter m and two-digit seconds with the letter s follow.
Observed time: 10h20
